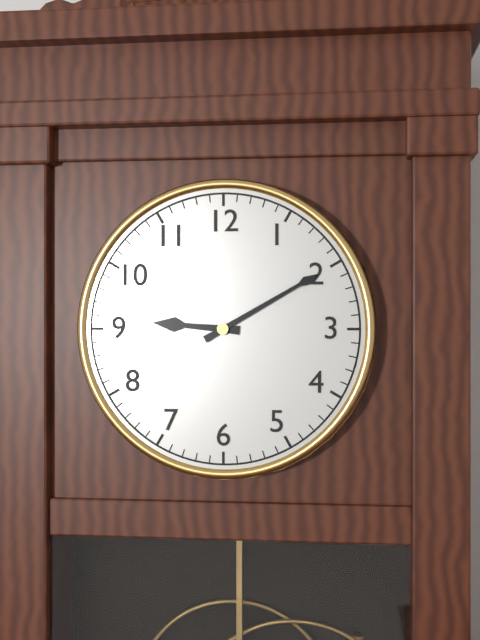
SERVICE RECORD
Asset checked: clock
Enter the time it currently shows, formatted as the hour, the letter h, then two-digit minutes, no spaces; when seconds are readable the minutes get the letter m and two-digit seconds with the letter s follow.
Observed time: 9h10
